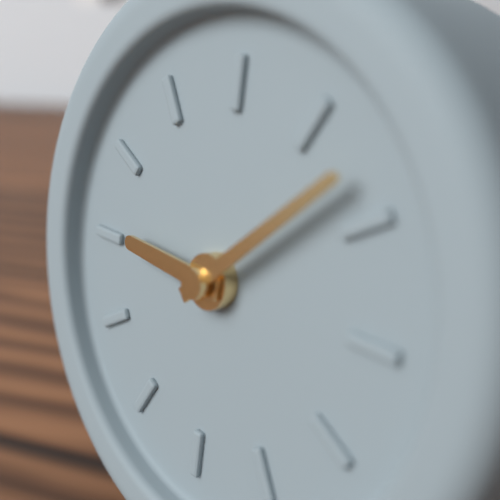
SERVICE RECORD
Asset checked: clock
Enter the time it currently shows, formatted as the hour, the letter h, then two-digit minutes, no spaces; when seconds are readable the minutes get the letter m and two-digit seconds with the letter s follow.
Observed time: 9h08
